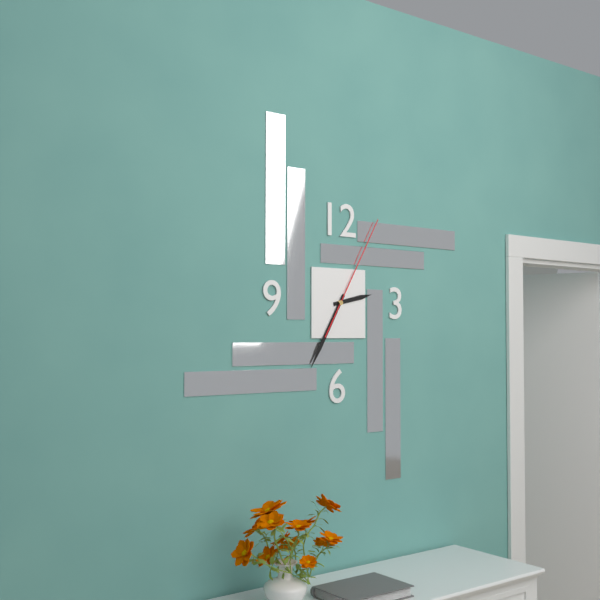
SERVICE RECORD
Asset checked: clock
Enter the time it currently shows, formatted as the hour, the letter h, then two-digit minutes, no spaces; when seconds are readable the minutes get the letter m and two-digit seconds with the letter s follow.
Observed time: 2h35m05s
